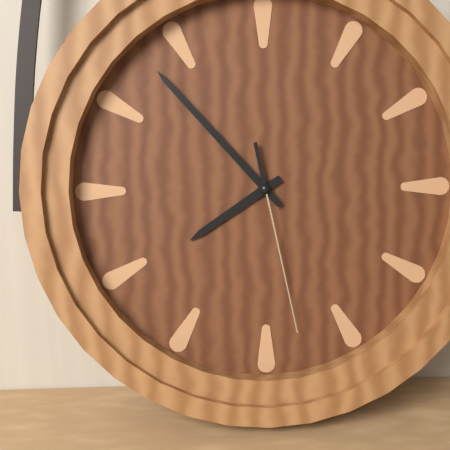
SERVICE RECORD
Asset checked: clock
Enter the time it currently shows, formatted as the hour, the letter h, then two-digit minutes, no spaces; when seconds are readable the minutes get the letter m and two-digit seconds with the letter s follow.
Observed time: 7h53m28s
